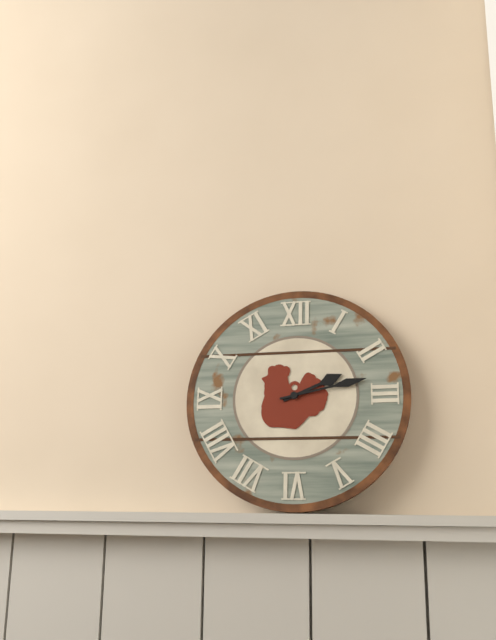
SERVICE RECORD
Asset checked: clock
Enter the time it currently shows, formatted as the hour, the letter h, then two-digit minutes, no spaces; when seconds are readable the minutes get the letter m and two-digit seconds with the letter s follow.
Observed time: 2h13
